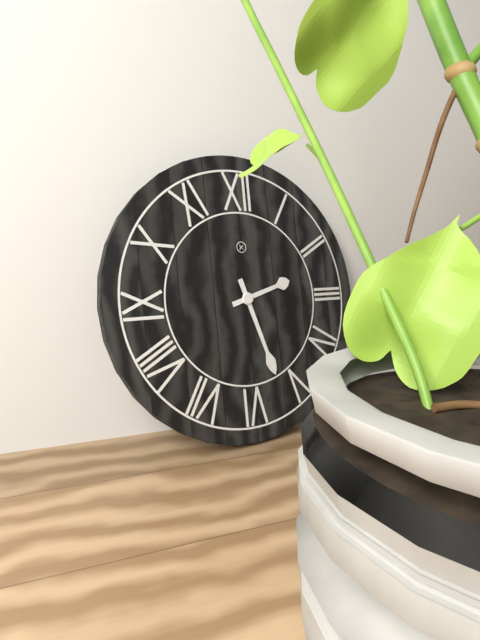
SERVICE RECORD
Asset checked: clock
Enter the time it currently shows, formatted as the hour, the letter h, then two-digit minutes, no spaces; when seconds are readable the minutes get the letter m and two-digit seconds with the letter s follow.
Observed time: 2h27
